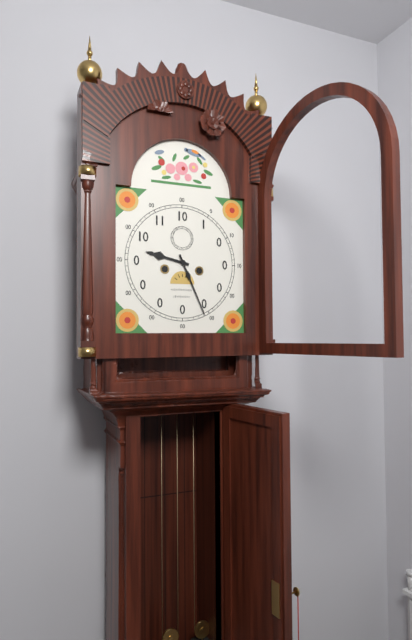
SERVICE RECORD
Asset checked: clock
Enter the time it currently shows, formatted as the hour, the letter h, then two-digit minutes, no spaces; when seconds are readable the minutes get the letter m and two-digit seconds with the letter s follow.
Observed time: 9h26
